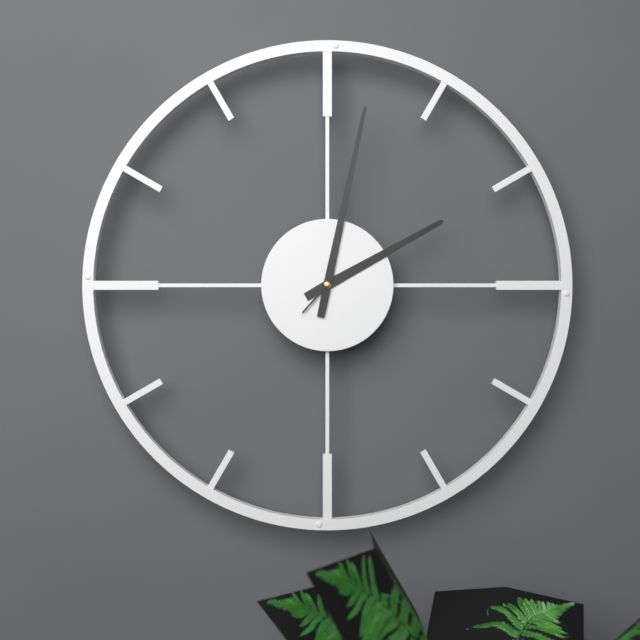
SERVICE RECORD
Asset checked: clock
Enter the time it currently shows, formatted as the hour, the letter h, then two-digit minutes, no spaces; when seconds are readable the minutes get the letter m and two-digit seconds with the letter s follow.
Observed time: 2h02
